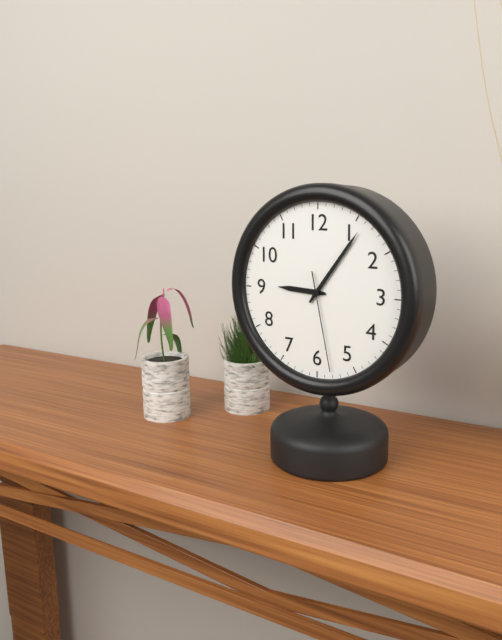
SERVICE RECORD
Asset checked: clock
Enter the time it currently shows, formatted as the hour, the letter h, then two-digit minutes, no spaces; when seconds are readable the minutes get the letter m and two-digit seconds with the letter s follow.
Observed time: 9h06m28s
